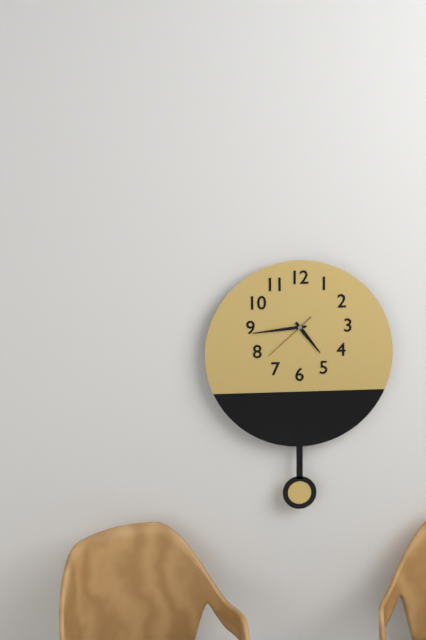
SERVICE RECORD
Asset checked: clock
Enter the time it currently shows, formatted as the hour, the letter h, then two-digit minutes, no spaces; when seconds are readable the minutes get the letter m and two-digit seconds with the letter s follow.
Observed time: 4h44m38s
